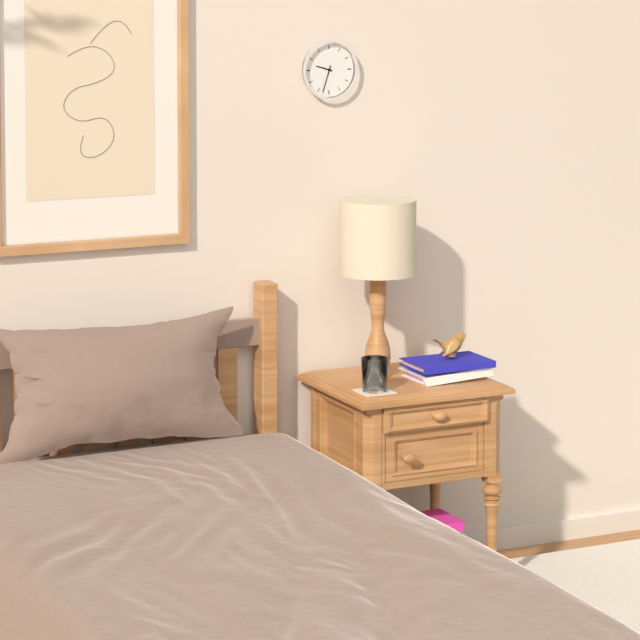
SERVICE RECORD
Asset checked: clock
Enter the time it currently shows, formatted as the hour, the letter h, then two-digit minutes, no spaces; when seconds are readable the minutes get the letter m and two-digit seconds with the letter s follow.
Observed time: 9h33
